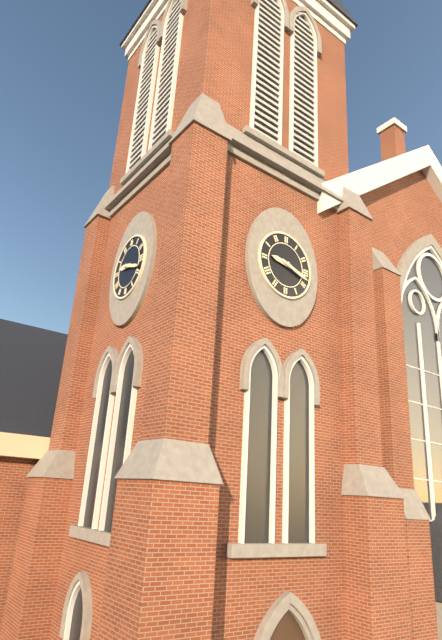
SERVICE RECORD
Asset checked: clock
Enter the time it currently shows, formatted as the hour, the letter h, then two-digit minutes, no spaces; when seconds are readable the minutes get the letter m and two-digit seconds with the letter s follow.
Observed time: 9h18
